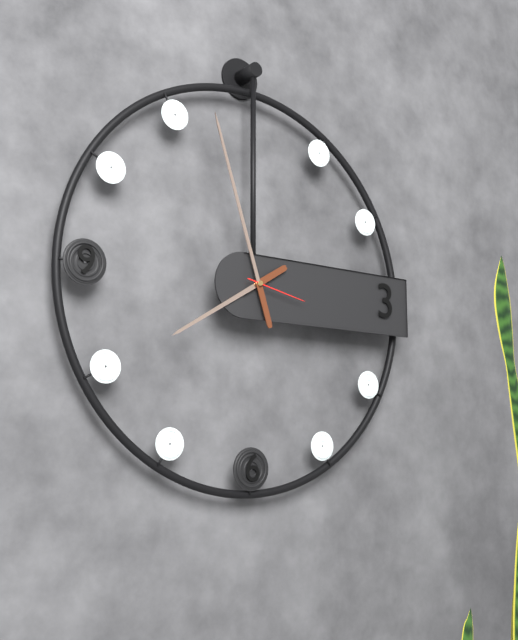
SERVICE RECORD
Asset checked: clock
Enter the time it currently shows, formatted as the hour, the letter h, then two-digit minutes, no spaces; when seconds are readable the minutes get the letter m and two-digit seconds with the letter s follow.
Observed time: 7h57m17s
